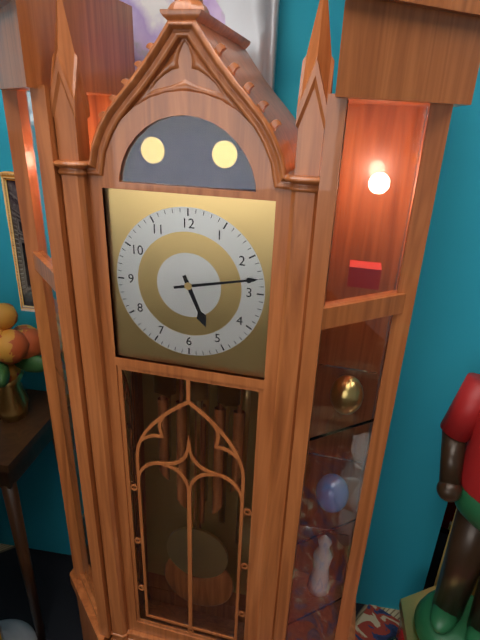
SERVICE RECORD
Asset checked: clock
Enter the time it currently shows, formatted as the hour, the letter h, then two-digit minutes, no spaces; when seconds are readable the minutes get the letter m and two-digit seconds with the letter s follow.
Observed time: 5h13
